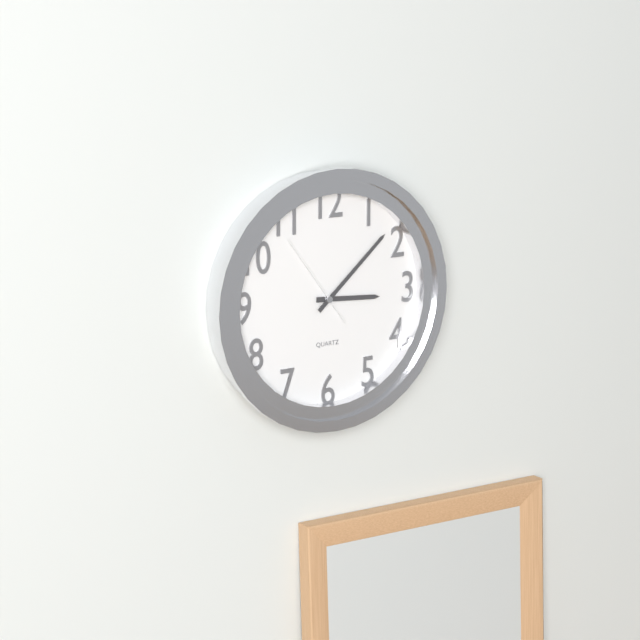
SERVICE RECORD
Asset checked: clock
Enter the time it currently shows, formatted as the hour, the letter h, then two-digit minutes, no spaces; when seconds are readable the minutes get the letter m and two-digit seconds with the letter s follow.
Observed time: 3h08m54s
